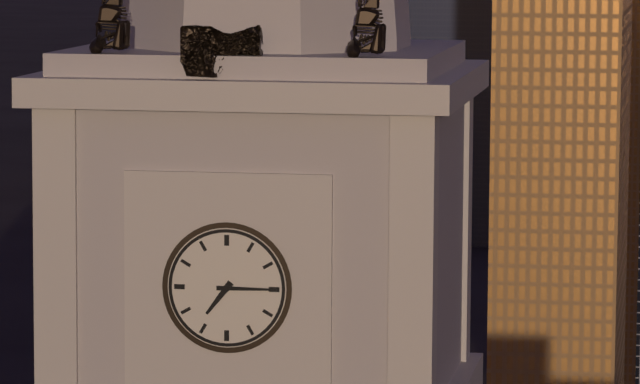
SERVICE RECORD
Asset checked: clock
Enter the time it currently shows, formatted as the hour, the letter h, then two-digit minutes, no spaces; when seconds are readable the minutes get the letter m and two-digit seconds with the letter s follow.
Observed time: 7h15
